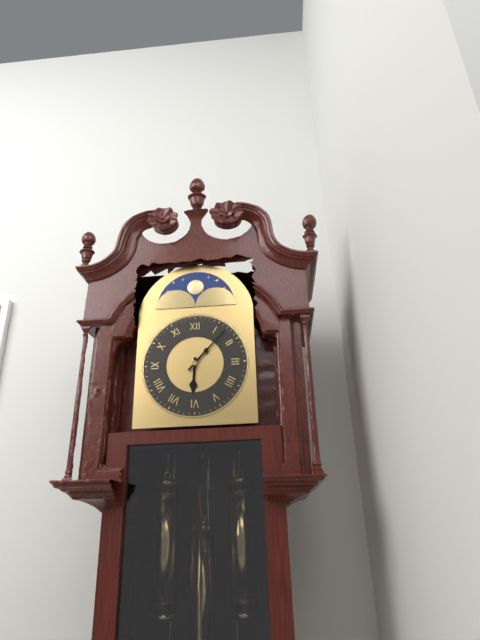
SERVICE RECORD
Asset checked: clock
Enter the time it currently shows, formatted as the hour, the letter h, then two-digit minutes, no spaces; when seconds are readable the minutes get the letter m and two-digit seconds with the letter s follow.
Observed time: 6h07
